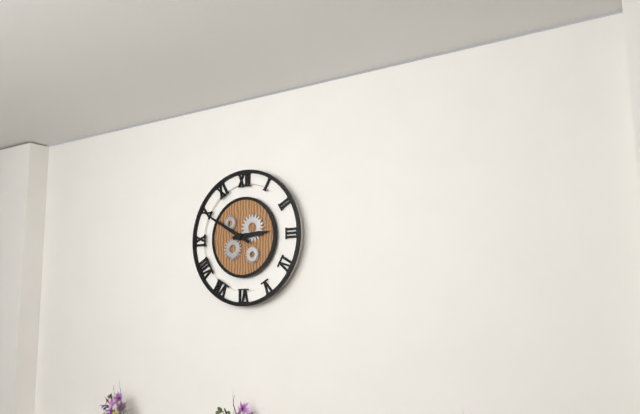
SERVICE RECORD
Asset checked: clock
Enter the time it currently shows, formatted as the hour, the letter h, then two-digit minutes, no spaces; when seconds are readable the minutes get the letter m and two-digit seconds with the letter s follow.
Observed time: 2h50
